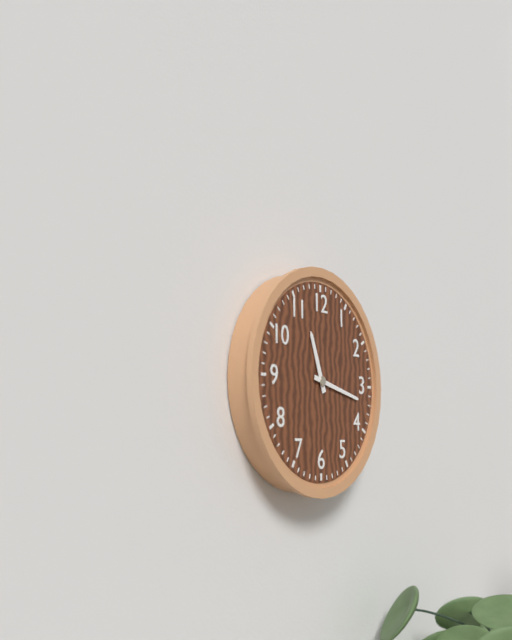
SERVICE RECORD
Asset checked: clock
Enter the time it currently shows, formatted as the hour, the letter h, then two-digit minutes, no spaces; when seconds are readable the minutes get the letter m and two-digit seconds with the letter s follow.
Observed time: 11h17
